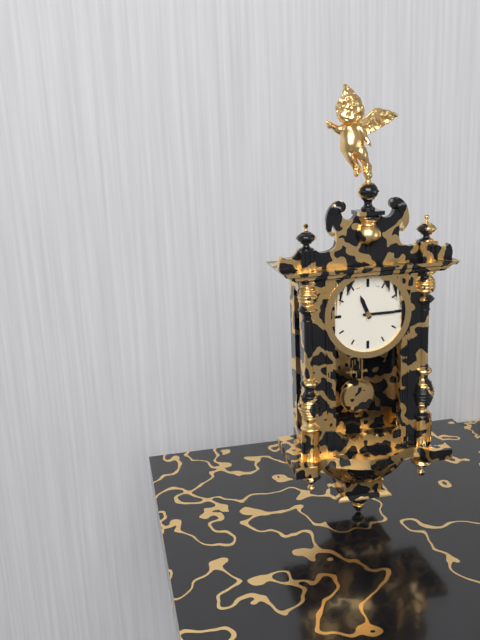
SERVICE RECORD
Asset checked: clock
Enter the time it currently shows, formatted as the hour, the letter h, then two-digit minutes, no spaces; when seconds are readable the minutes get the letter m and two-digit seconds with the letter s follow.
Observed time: 11h15
